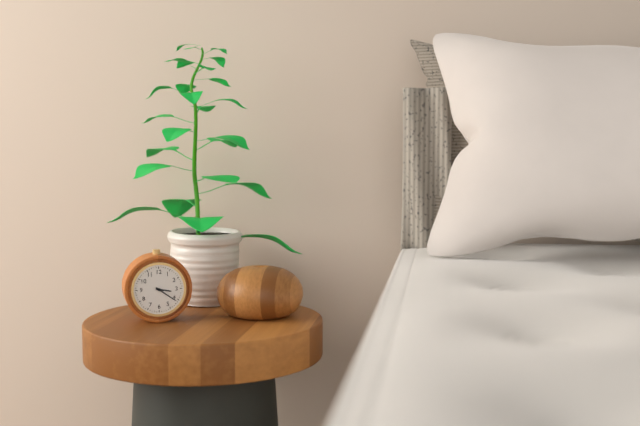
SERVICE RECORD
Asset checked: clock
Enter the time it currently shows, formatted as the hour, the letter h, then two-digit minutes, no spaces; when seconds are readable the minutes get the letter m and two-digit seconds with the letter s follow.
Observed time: 3h21
